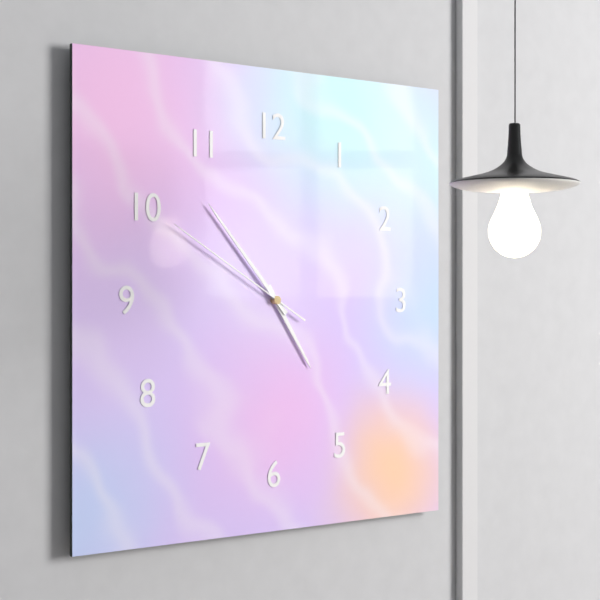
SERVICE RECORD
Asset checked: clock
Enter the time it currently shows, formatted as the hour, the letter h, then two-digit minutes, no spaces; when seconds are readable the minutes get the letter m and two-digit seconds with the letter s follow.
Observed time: 4h53m50s
